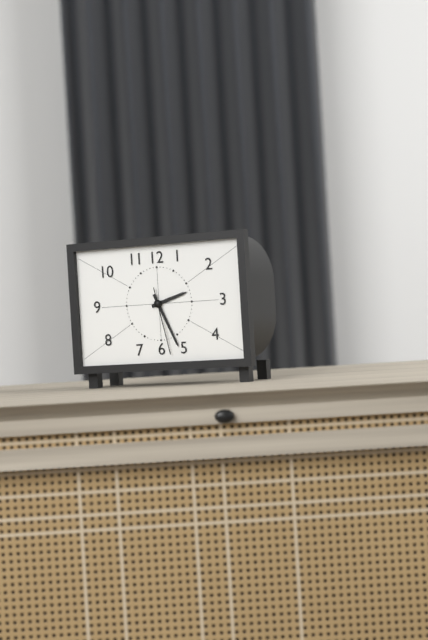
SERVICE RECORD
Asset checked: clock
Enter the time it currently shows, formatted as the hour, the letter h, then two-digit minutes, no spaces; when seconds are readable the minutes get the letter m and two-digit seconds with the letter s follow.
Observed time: 2h26m28s
